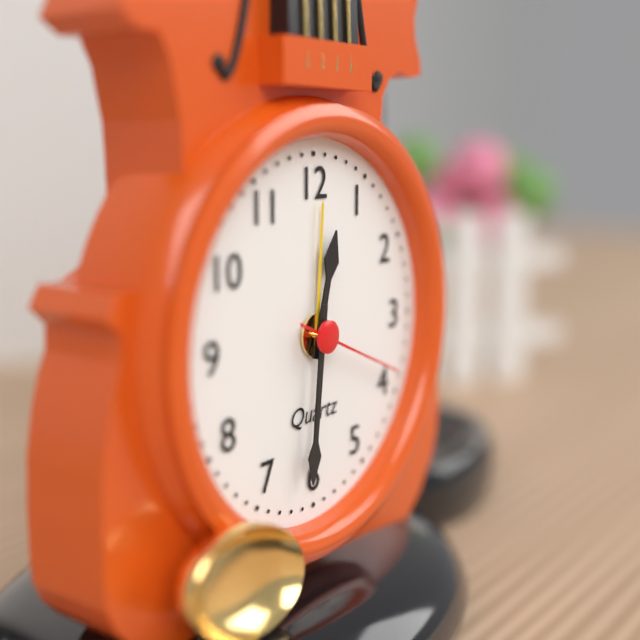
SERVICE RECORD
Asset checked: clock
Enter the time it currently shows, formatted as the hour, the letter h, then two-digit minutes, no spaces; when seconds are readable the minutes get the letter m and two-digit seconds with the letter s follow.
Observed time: 12h31m19s
